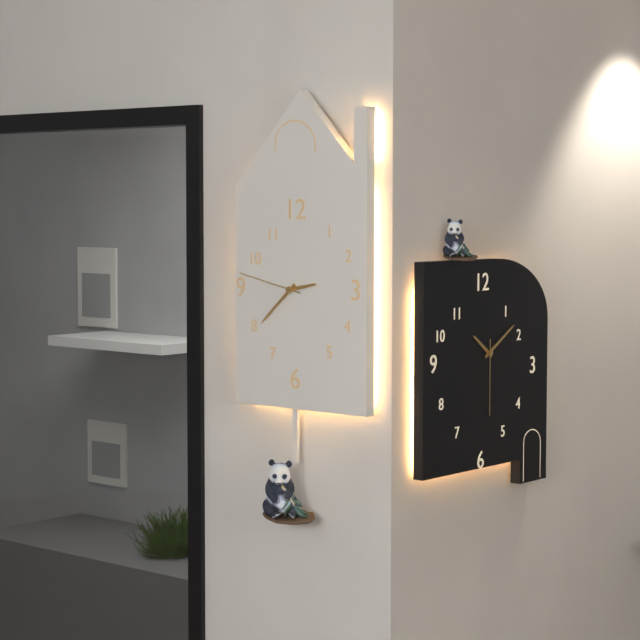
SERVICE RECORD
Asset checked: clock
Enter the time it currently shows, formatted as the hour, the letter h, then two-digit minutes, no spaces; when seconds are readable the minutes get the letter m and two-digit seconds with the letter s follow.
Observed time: 2h38m47s
